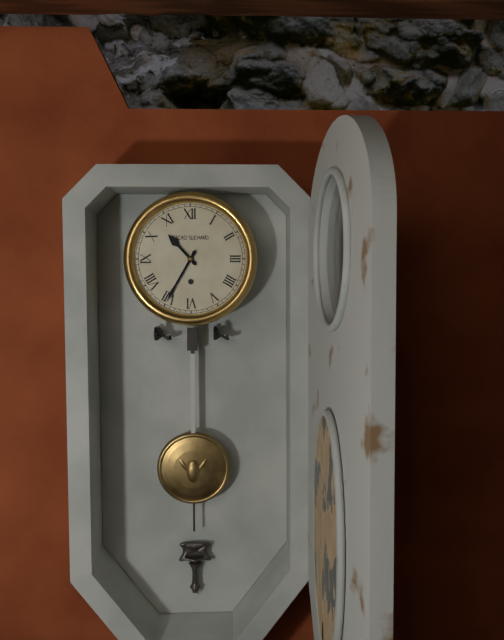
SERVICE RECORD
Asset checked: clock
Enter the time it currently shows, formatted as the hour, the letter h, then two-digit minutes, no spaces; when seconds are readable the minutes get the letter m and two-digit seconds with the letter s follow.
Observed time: 10h35
